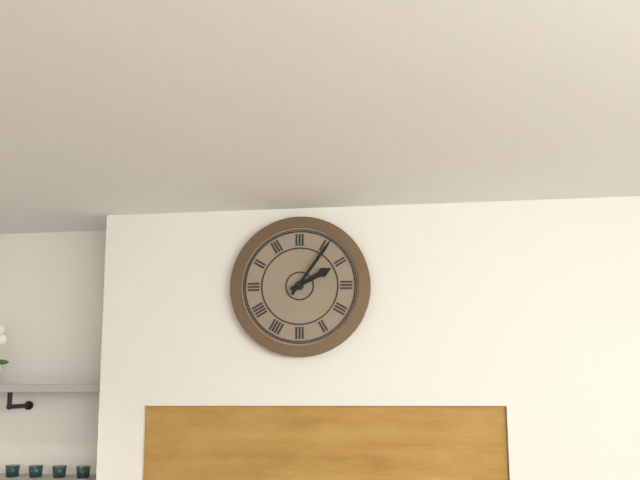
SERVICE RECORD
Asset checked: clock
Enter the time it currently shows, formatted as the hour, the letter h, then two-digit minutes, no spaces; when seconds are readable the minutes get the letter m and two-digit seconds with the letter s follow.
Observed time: 2h06
